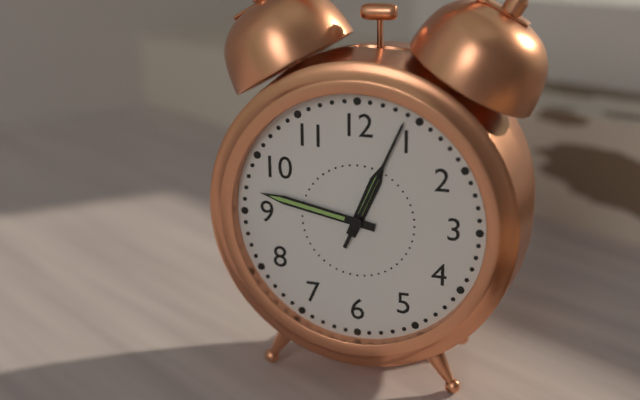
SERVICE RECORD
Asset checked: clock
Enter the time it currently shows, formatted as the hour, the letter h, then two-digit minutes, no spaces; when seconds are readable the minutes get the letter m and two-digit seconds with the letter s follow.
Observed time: 12h47m04s
